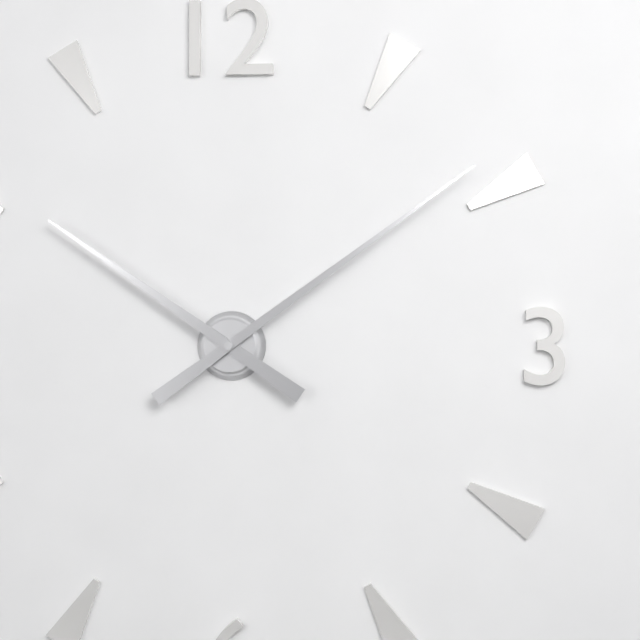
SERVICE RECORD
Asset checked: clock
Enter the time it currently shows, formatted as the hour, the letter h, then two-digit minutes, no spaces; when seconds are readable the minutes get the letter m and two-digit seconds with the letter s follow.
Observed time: 10h09
